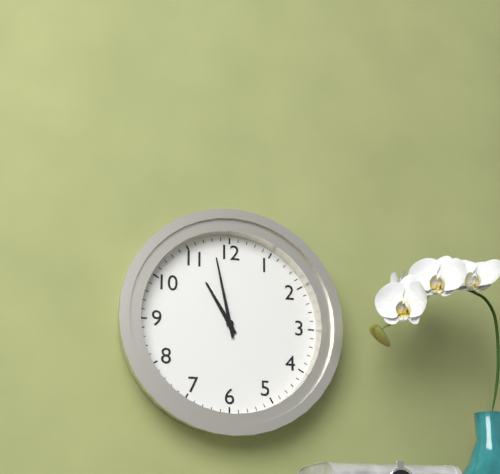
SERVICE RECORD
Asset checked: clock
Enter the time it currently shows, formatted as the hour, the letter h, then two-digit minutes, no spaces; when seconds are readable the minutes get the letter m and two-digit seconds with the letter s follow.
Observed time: 10h58
